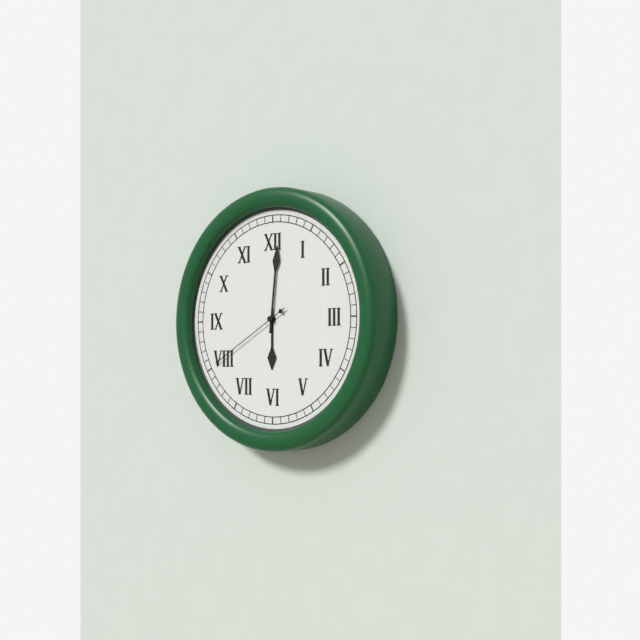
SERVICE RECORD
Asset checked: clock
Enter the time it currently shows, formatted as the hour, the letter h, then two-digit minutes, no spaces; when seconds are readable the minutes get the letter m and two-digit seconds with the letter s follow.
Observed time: 6h01m40s
